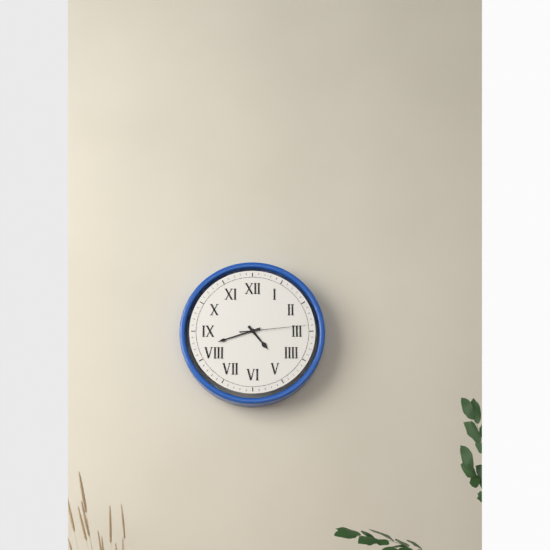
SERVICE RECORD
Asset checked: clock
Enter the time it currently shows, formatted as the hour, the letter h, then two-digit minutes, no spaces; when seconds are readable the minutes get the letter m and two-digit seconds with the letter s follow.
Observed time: 4h42m14s
